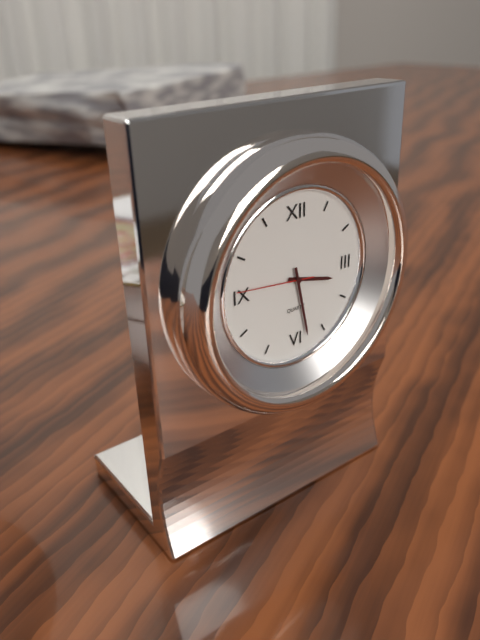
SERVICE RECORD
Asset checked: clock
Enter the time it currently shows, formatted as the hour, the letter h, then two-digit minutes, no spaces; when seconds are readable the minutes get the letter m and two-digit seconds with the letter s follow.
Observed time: 3h28m46s
